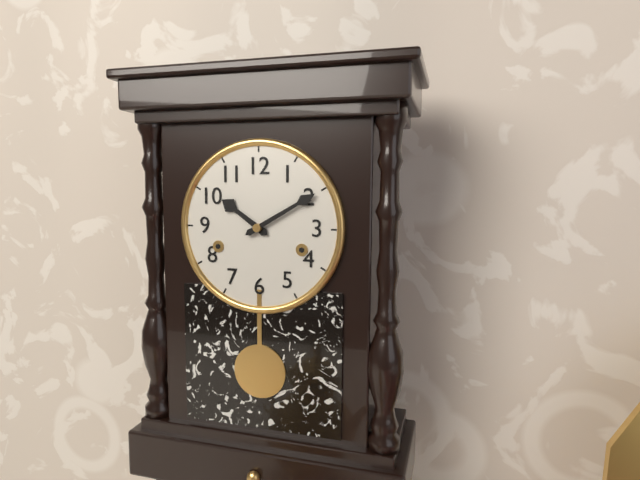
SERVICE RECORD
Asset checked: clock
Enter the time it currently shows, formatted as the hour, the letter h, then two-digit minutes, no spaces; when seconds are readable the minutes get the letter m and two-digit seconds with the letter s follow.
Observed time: 10h10
